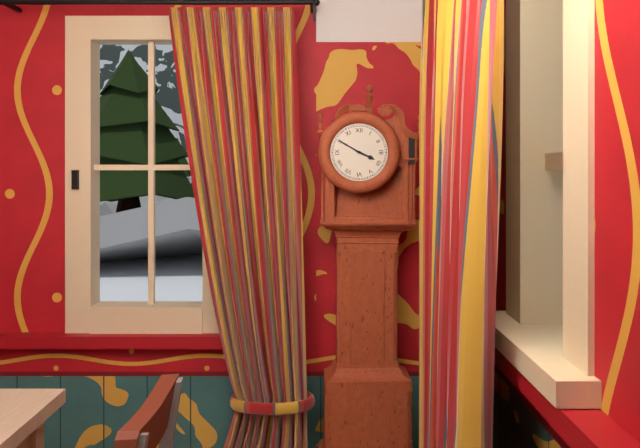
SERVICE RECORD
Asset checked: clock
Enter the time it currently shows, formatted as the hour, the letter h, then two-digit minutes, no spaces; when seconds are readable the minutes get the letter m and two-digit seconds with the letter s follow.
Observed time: 3h50
